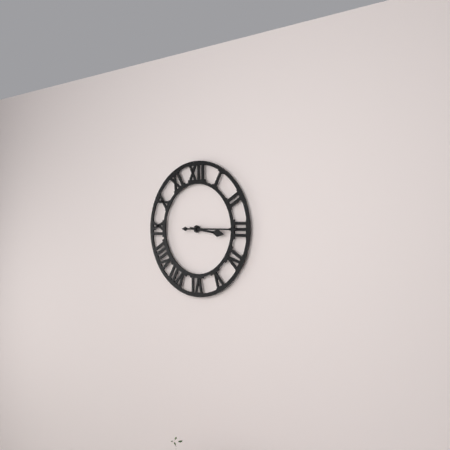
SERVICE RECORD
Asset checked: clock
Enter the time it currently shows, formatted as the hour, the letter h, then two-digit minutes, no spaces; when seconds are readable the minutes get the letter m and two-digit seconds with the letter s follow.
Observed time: 3h15
